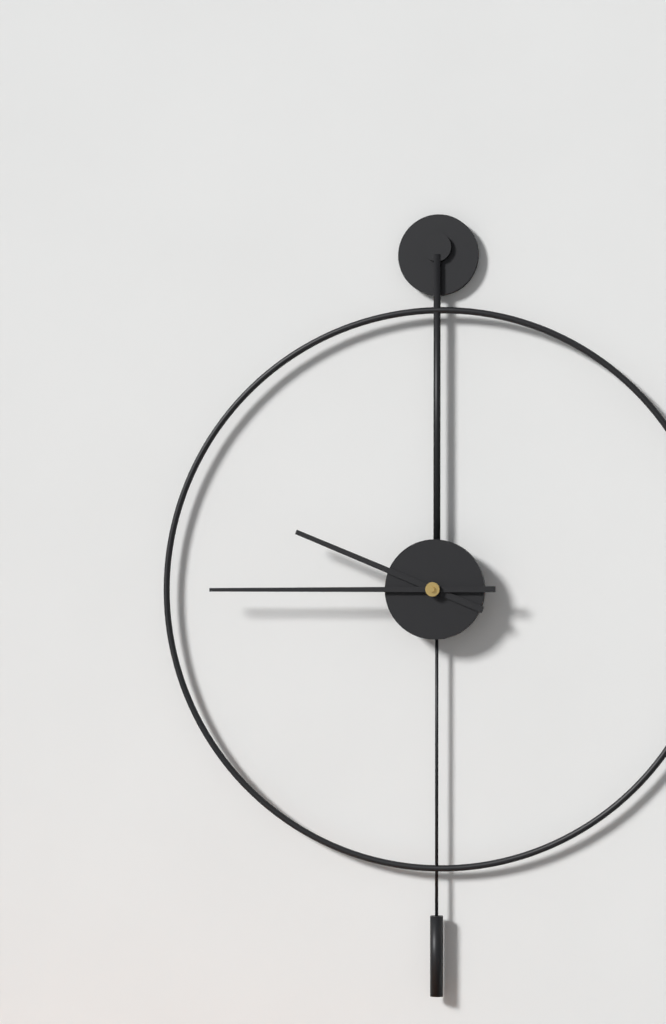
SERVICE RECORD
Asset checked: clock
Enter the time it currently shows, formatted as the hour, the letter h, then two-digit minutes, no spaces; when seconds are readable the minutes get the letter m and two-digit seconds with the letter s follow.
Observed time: 9h45
